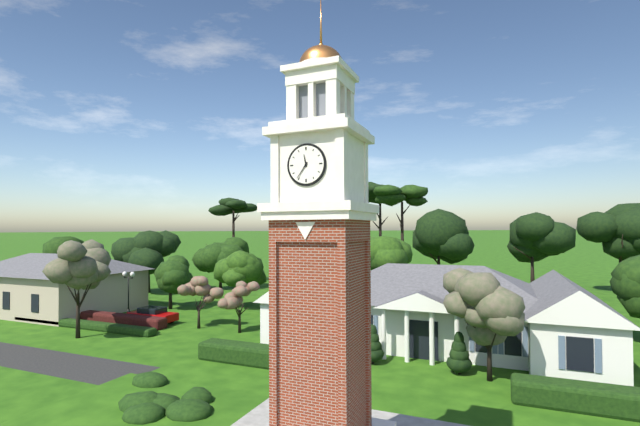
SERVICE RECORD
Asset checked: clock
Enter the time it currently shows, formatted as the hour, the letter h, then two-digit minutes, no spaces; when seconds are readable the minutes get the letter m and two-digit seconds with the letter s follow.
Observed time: 11h36
